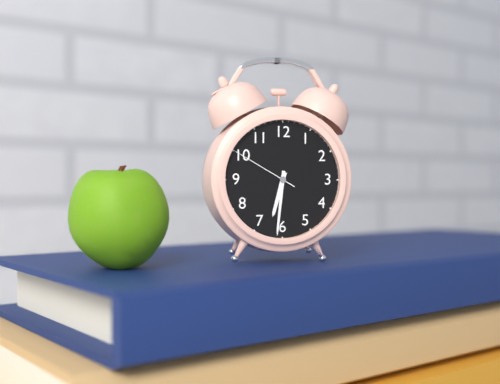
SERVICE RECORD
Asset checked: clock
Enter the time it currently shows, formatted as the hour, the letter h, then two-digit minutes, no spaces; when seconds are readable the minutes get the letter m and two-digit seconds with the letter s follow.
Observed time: 6h31m50s
